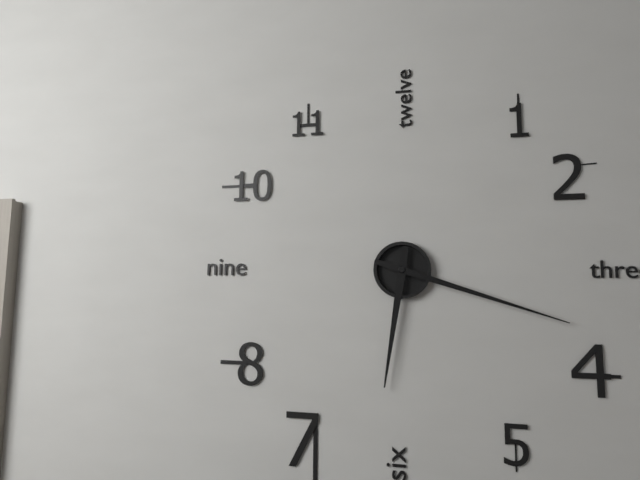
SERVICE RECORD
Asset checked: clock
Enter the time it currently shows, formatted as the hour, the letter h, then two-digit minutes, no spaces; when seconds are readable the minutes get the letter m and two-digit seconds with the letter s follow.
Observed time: 6h18
